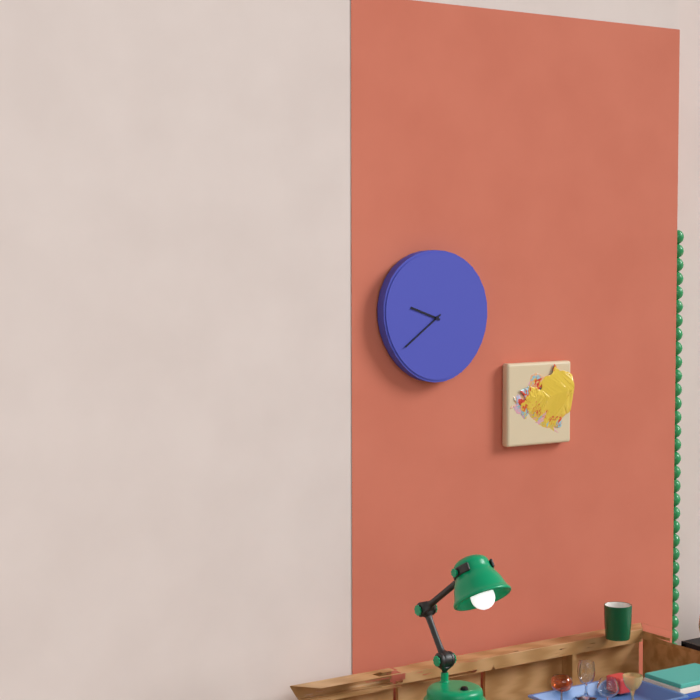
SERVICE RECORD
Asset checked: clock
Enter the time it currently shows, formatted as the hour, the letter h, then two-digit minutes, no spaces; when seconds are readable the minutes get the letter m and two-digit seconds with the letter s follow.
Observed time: 9h39
